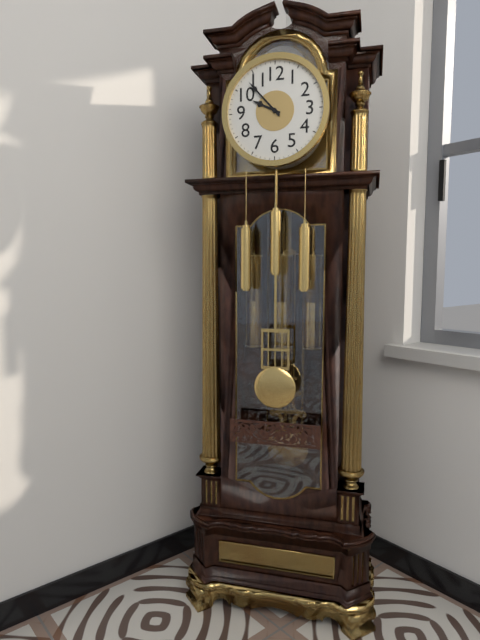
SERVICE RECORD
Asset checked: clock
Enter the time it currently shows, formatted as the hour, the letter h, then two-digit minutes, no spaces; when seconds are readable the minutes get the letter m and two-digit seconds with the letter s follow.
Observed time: 9h53
